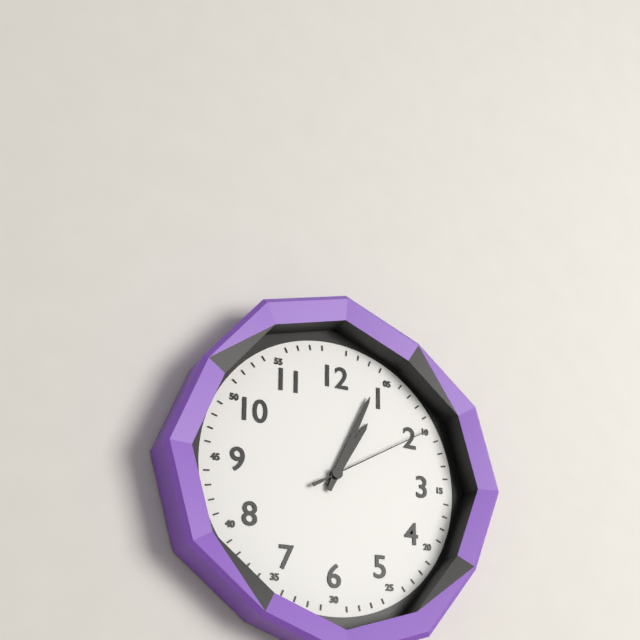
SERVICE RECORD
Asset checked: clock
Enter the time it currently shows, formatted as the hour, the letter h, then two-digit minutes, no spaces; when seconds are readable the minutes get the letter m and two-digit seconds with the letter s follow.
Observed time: 1h04m10s
